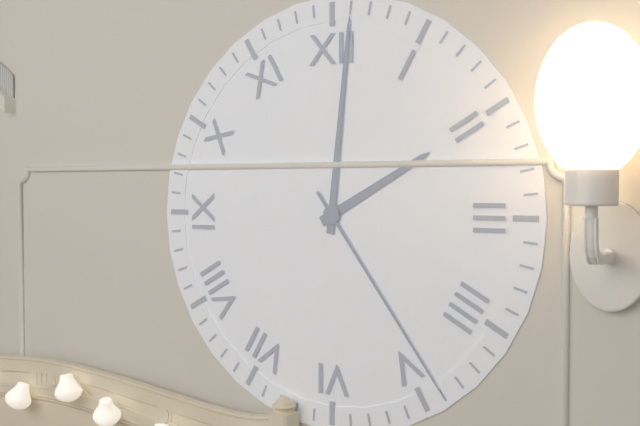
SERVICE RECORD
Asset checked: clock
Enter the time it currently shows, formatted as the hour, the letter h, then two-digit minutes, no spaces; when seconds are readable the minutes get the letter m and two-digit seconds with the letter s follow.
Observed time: 2h01m24s
